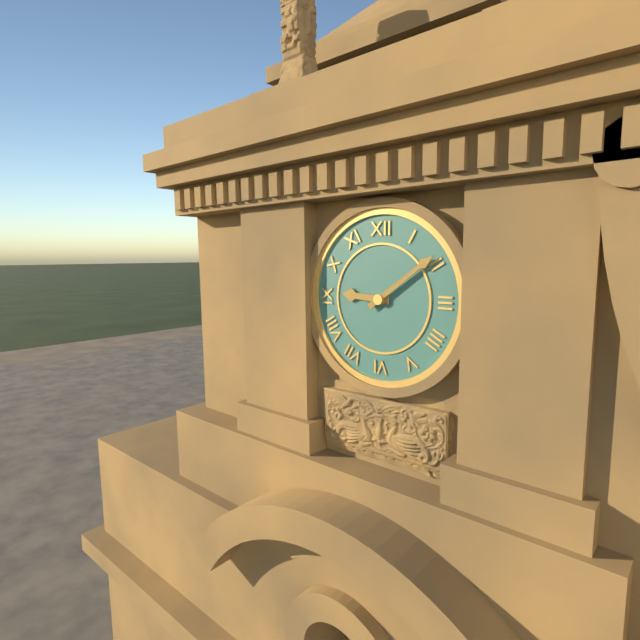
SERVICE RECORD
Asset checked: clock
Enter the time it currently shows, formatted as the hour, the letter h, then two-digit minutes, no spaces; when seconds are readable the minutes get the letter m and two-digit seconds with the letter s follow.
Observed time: 9h09
